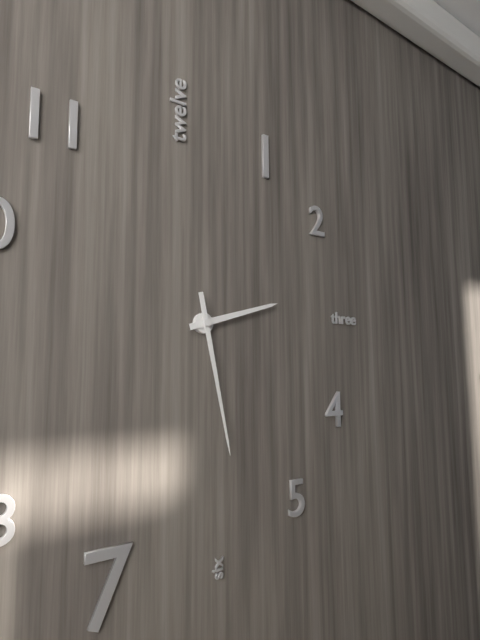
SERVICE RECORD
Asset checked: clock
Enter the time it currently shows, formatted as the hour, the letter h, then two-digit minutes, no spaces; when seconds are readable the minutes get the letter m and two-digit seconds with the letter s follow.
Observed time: 2h28
